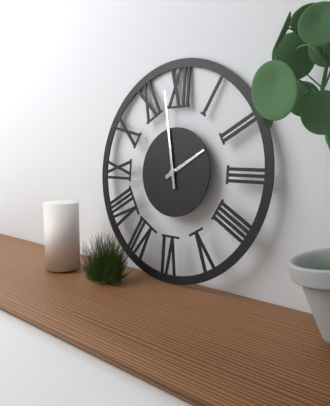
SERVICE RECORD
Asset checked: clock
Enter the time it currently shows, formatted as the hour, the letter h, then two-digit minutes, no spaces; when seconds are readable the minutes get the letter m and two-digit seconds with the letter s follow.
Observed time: 1h58
